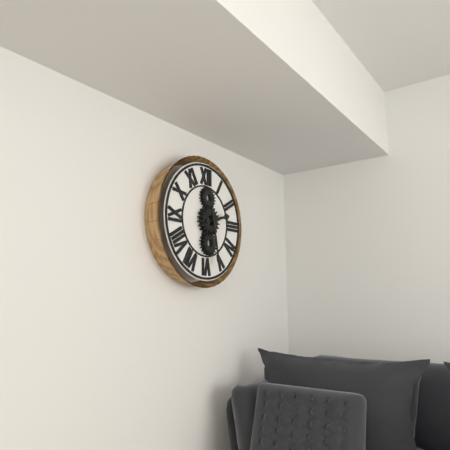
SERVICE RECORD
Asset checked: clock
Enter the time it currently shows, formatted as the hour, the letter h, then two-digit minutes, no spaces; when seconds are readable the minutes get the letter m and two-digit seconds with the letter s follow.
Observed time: 2h28
